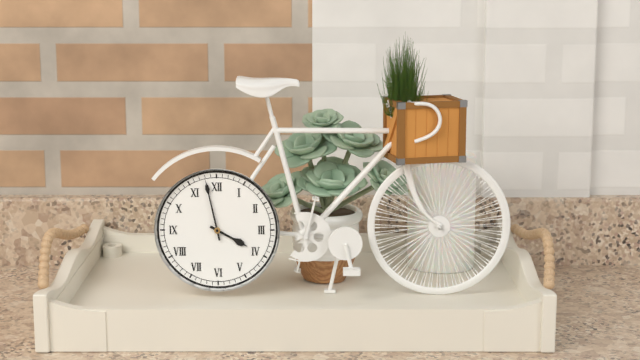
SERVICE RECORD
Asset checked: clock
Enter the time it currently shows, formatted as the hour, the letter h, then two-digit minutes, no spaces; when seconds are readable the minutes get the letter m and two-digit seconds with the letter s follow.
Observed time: 3h58
